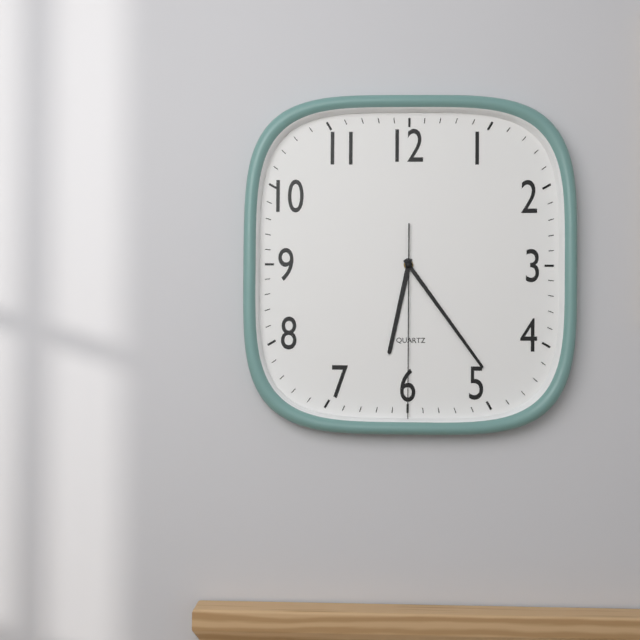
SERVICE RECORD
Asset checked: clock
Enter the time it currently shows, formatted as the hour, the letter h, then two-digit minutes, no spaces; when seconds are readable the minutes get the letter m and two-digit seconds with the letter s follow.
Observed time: 6h24m30s
